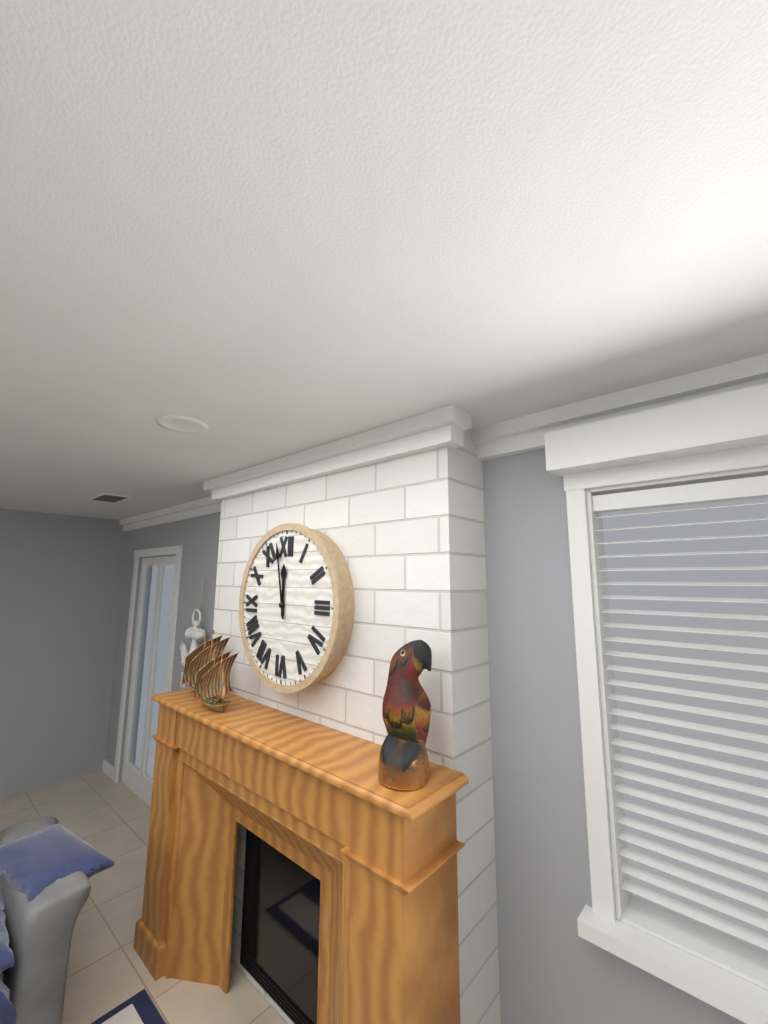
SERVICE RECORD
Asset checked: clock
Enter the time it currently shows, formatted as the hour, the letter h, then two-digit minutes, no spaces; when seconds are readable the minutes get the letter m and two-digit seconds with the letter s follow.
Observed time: 11h58
